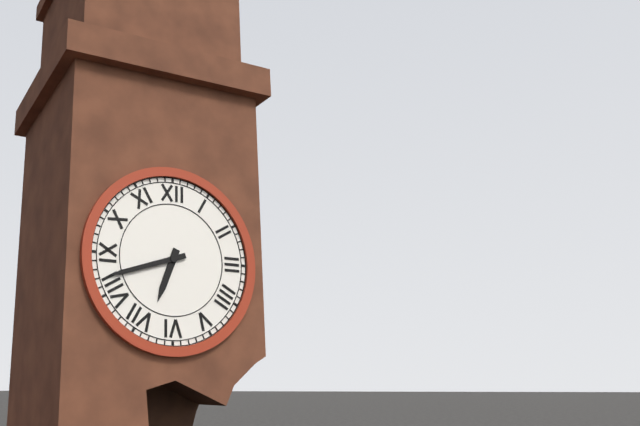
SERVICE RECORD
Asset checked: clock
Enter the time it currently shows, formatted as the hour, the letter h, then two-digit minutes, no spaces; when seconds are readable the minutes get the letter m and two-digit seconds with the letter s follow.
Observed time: 6h42
